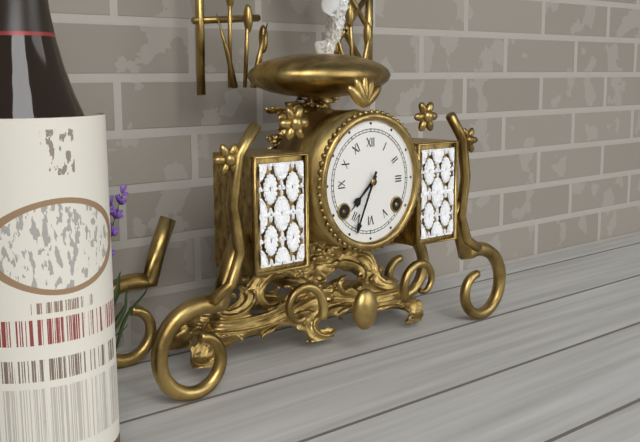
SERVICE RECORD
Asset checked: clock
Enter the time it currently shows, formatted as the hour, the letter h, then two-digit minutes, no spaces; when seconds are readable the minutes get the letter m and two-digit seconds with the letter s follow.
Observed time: 7h34
